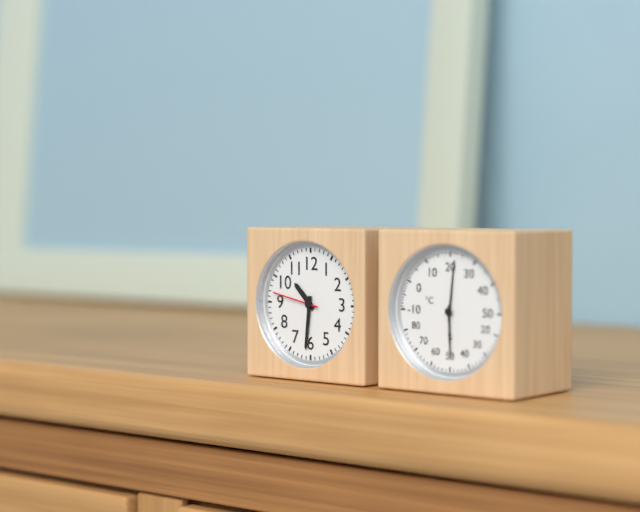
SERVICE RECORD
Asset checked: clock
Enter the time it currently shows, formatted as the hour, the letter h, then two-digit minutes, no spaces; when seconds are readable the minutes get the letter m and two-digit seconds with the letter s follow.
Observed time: 10h31
